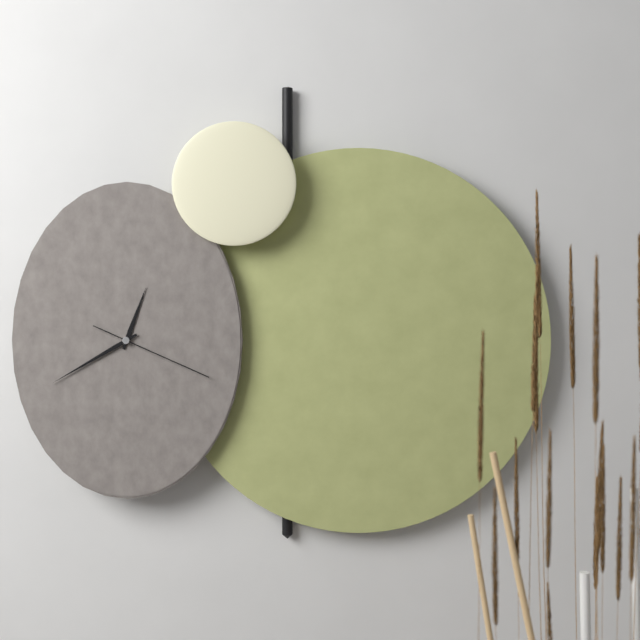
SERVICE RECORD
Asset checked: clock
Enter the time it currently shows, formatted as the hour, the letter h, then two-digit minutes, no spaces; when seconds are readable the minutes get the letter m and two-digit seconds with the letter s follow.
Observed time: 12h40m19s
